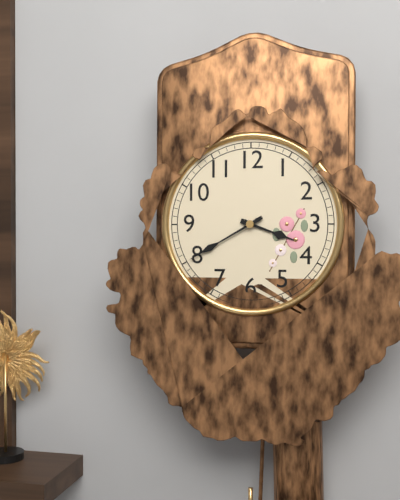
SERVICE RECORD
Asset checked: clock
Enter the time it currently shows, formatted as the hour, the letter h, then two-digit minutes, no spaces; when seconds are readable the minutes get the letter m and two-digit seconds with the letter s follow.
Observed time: 3h40
